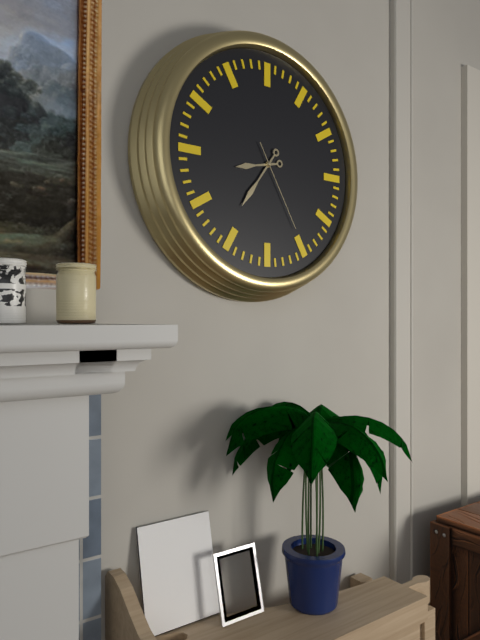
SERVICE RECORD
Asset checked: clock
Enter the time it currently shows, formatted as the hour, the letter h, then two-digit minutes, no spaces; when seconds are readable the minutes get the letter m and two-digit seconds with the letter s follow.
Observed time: 8h36m25s
